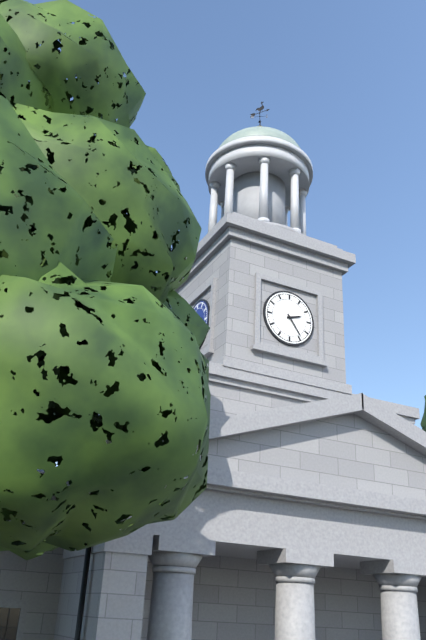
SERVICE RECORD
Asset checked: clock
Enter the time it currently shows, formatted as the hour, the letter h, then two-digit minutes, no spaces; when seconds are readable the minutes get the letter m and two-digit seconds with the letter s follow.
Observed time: 2h24
